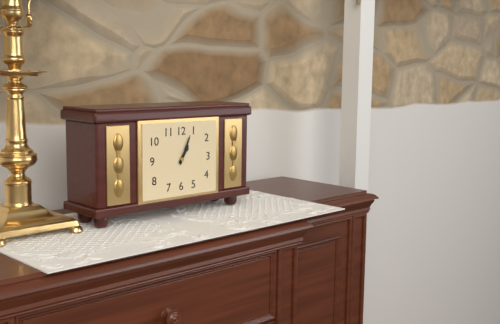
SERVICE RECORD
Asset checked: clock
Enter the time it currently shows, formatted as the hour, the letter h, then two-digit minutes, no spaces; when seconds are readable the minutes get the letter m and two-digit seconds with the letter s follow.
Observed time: 1h04
